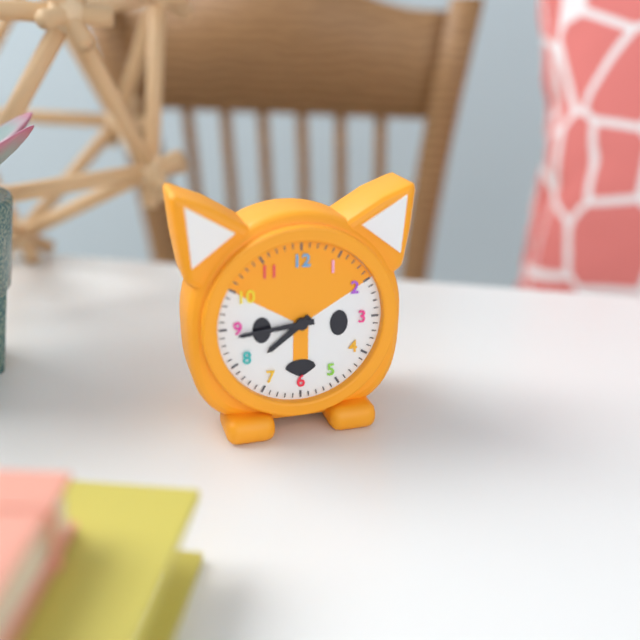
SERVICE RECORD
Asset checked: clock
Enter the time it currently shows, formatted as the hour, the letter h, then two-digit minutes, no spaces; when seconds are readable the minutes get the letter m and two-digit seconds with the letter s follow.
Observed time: 7h44
